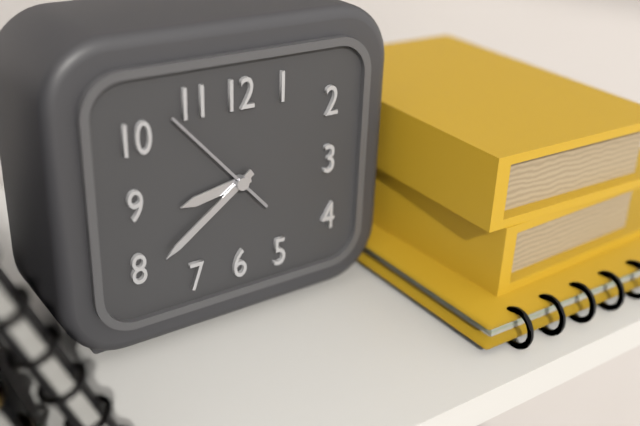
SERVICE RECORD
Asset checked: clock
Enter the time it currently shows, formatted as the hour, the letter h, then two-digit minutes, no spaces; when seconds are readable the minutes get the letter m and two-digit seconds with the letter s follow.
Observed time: 8h39m53s
